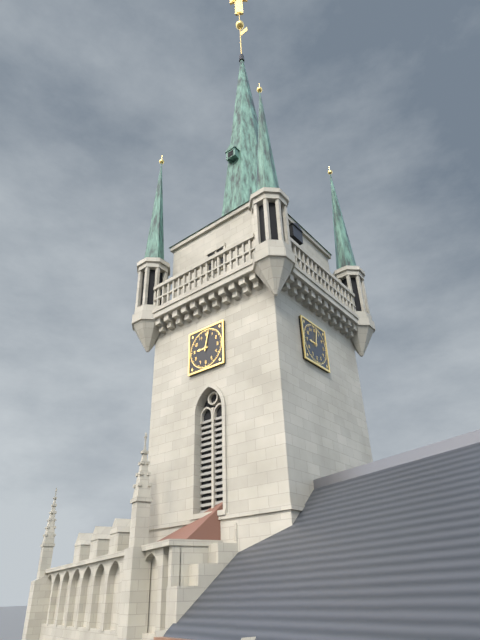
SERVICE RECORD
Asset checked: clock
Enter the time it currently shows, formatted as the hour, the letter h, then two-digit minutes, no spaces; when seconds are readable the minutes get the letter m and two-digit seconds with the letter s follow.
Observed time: 9h02
